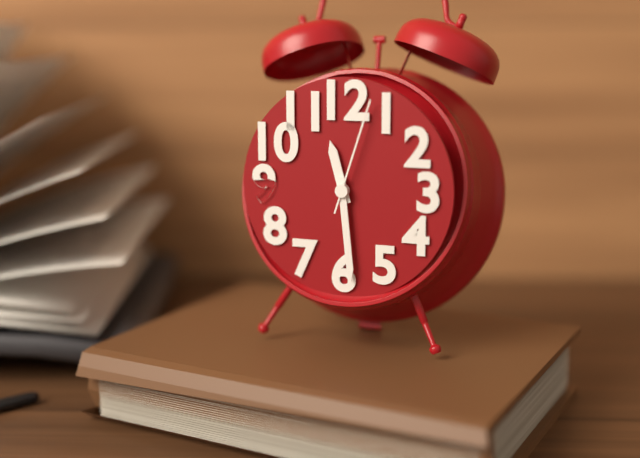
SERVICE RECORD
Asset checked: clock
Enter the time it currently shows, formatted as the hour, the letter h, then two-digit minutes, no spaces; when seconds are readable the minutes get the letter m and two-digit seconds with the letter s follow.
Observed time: 11h29m03s
